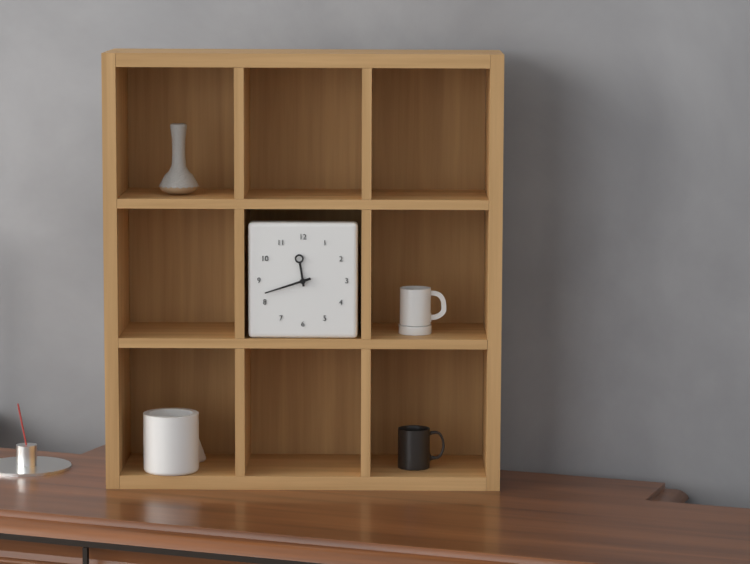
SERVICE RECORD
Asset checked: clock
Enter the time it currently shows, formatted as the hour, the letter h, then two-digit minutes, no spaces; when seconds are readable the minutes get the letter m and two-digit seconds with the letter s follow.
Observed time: 11h42
